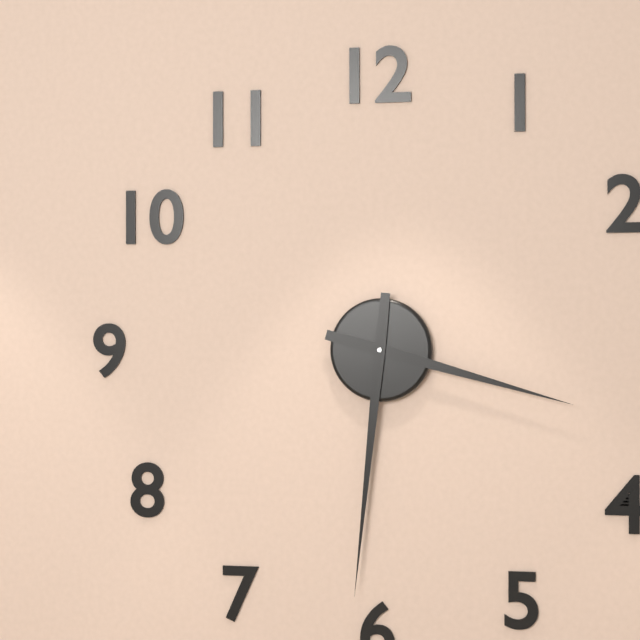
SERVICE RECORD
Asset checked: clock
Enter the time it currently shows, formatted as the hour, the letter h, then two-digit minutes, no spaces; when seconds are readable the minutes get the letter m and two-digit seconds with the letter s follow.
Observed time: 3h31
